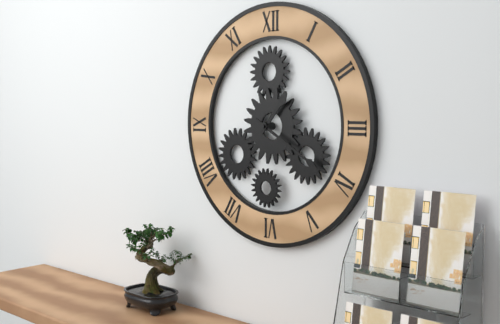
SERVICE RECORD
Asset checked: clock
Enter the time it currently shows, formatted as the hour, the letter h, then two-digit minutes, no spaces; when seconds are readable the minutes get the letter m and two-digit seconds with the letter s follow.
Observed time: 1h20
